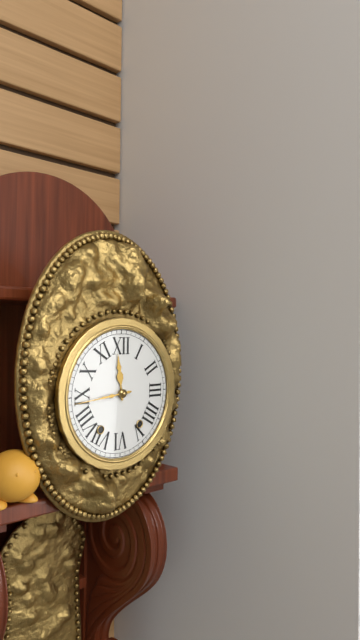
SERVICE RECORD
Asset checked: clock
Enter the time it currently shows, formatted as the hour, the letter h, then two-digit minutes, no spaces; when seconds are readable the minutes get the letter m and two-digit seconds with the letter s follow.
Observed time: 11h44
